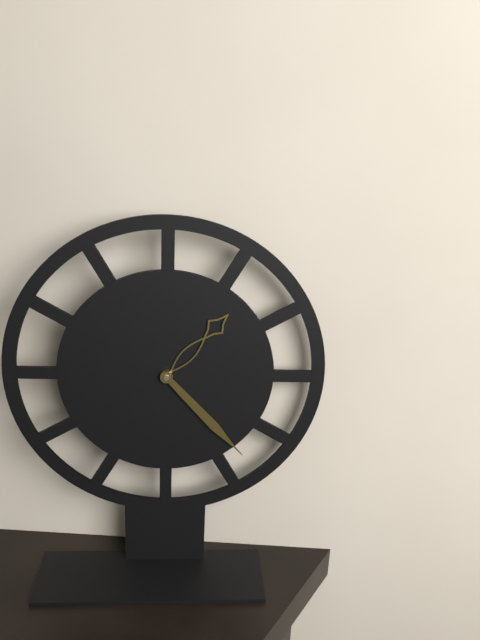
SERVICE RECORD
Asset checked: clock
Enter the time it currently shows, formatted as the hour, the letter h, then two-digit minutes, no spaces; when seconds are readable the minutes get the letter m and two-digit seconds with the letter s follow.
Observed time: 1h23
